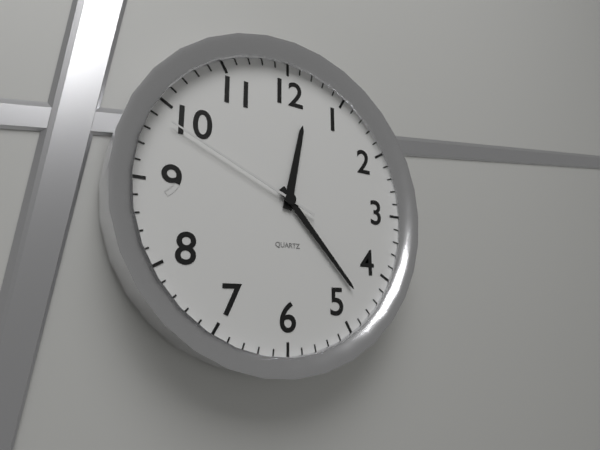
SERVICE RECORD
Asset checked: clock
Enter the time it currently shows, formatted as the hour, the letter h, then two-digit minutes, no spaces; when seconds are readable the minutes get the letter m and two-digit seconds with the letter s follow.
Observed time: 12h23m49s
